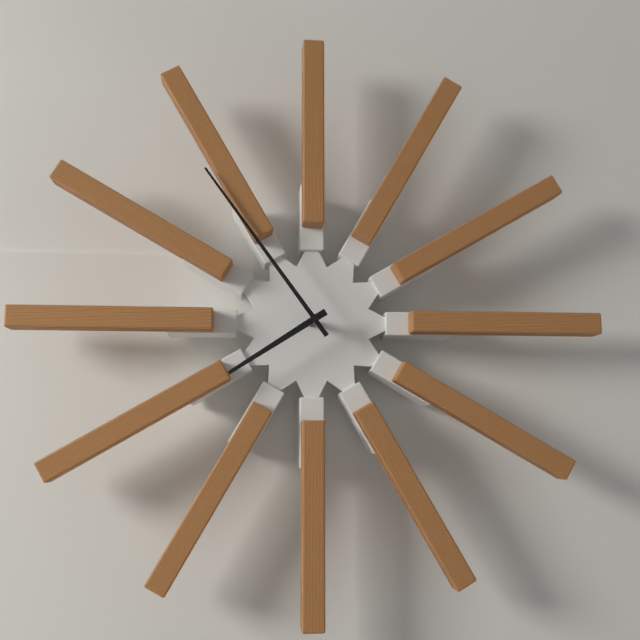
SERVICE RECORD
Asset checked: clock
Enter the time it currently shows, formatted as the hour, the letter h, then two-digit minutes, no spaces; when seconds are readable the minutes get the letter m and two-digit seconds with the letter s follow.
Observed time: 7h54
